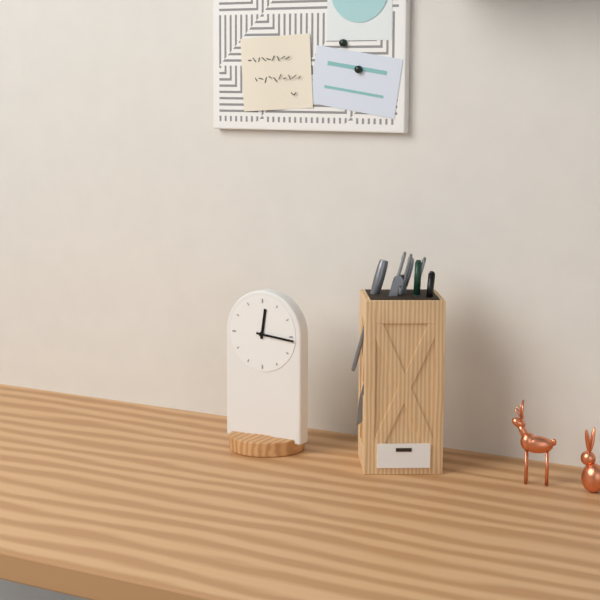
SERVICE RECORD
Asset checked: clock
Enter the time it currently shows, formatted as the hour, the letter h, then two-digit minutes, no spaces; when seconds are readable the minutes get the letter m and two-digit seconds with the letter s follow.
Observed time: 12h16
